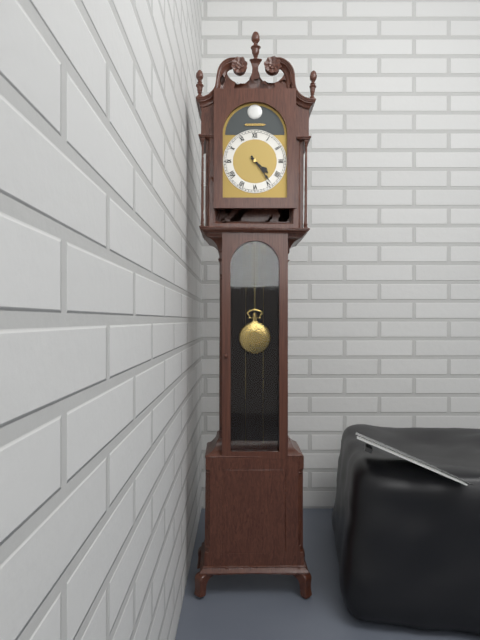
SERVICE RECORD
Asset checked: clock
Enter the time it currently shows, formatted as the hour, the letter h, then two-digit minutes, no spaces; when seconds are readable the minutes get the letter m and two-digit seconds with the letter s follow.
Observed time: 4h24
